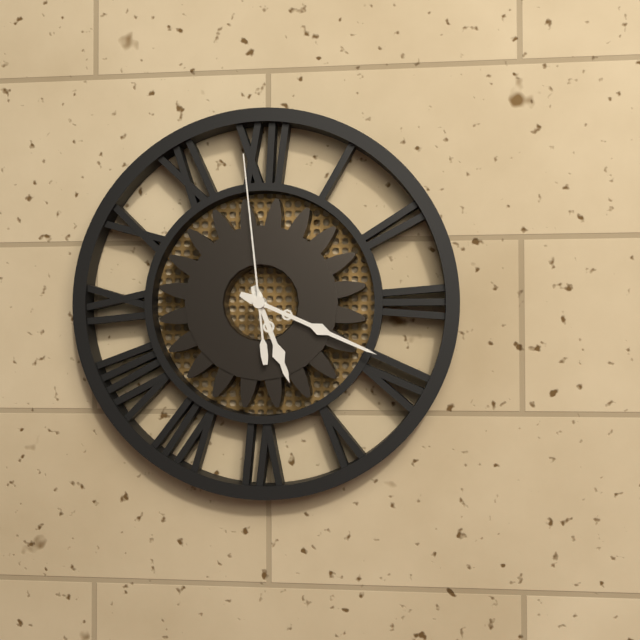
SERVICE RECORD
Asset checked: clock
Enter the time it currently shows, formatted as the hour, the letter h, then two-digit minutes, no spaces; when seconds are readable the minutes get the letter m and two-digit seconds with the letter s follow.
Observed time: 5h19m59s
